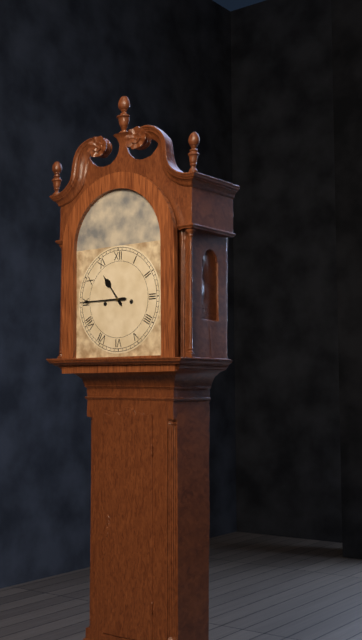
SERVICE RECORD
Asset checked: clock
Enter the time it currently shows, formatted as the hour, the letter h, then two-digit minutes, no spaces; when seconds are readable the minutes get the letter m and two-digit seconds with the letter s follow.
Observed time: 10h45
